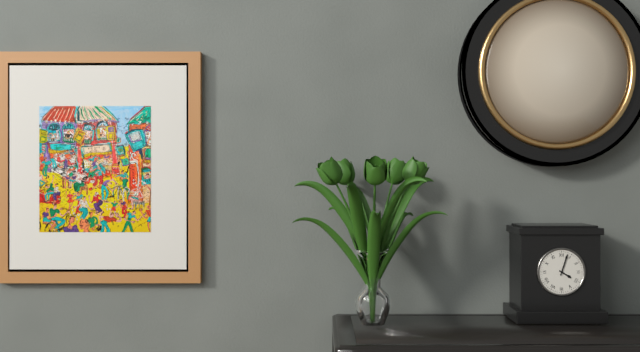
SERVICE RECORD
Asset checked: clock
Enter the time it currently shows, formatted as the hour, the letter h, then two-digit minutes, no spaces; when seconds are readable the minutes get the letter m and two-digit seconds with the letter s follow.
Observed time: 4h03
